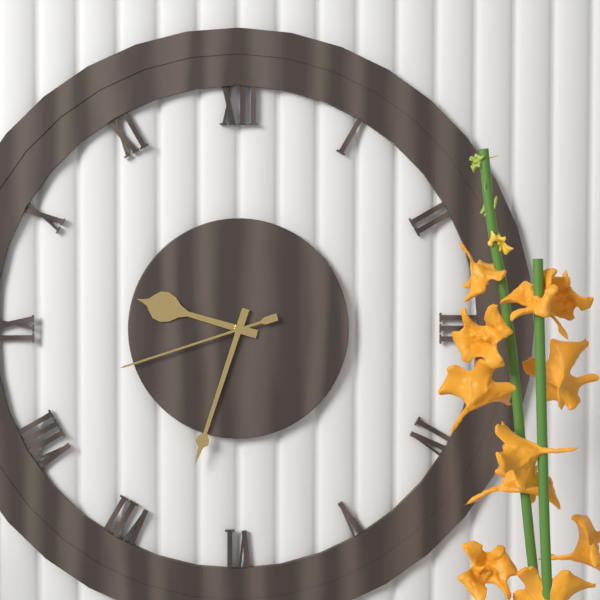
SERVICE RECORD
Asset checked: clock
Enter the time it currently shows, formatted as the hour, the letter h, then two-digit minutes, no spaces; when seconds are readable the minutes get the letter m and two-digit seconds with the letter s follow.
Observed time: 9h33m42s
